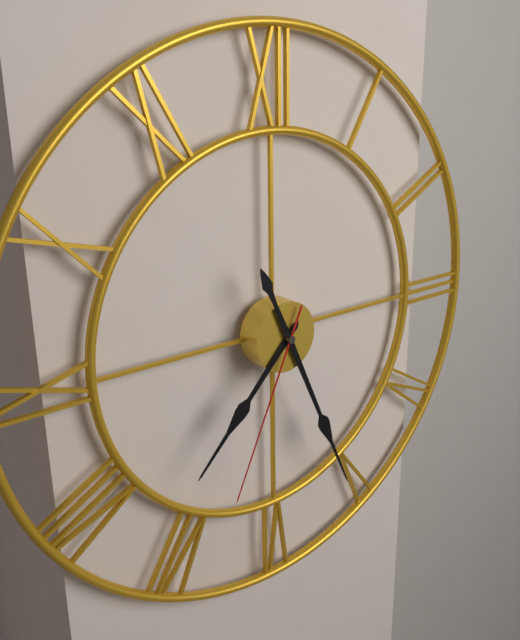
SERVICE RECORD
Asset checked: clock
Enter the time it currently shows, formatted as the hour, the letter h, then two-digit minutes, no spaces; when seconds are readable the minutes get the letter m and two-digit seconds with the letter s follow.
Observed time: 7h26m34s
